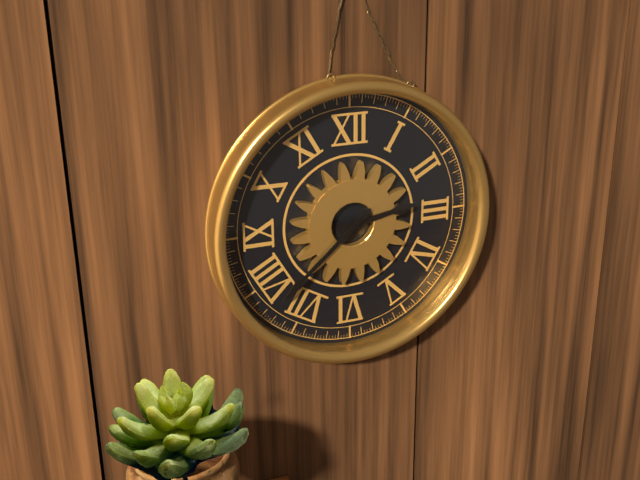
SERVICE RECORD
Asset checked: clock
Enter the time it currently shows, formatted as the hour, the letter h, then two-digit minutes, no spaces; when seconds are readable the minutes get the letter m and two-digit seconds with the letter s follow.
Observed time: 2h38
